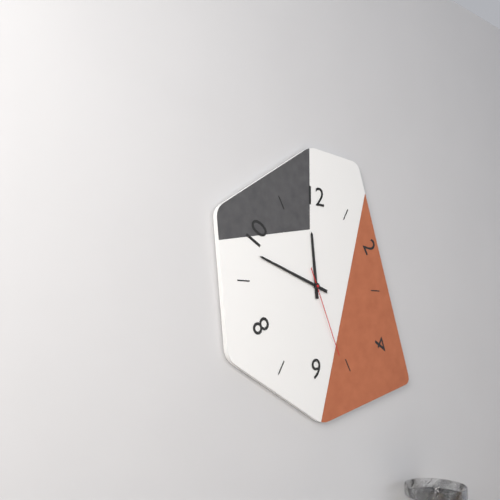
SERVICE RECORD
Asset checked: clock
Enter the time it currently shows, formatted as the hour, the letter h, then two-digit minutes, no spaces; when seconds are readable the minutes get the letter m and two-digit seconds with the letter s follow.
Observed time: 11h48m26s
